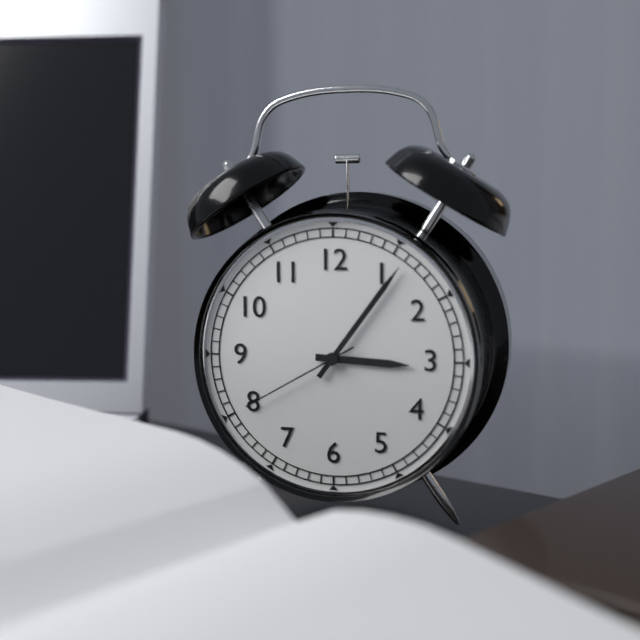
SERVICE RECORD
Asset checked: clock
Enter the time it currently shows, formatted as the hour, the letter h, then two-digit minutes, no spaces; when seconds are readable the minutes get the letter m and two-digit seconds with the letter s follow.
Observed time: 3h06m40s
